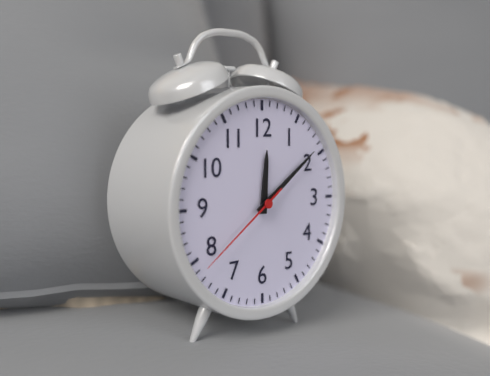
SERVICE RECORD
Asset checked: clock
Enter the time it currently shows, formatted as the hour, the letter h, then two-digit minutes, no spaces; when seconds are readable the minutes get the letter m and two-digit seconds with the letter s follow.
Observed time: 12h09m39s
